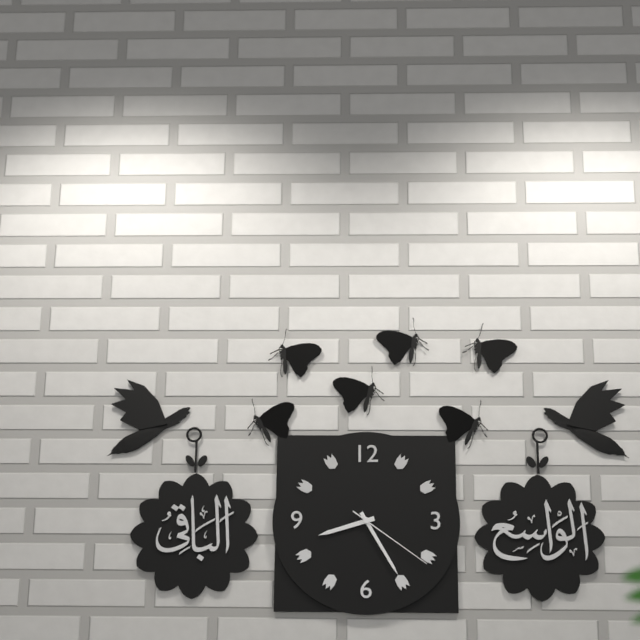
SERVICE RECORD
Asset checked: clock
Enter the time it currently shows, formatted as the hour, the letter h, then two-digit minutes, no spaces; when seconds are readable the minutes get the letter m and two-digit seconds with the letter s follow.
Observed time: 8h25m21s
